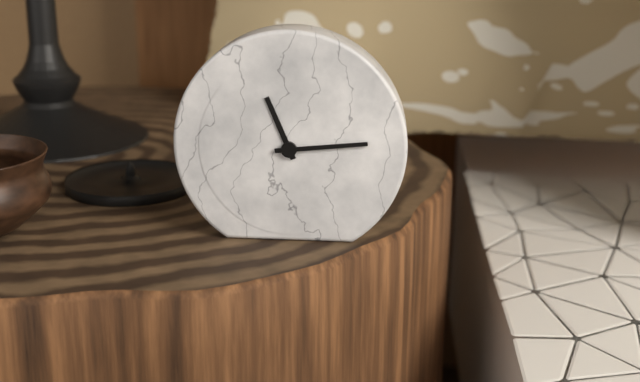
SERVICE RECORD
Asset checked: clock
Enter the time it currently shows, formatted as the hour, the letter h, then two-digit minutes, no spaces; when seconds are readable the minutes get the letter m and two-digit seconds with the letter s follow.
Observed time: 11h14
